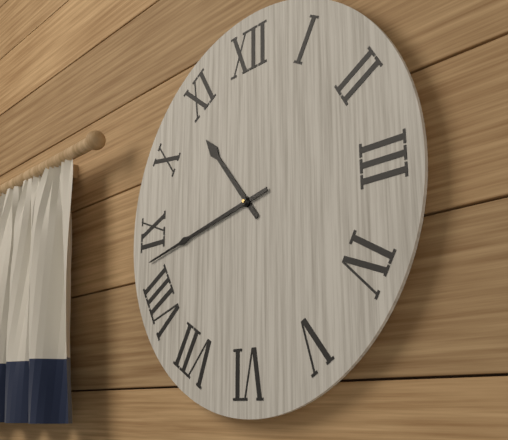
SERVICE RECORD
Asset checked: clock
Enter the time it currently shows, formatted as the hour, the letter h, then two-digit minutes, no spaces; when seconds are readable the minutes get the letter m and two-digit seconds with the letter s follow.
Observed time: 10h43
